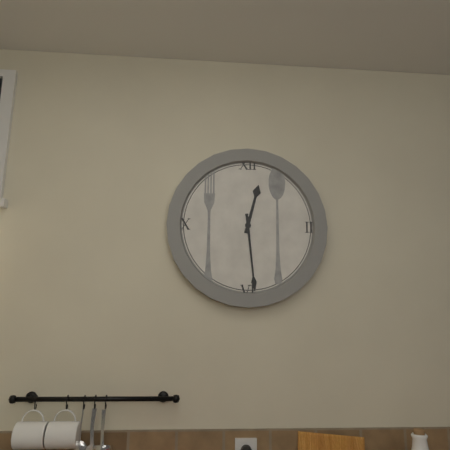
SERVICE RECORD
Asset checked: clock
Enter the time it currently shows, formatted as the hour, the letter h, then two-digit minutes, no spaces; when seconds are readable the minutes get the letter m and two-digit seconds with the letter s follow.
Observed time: 12h29
